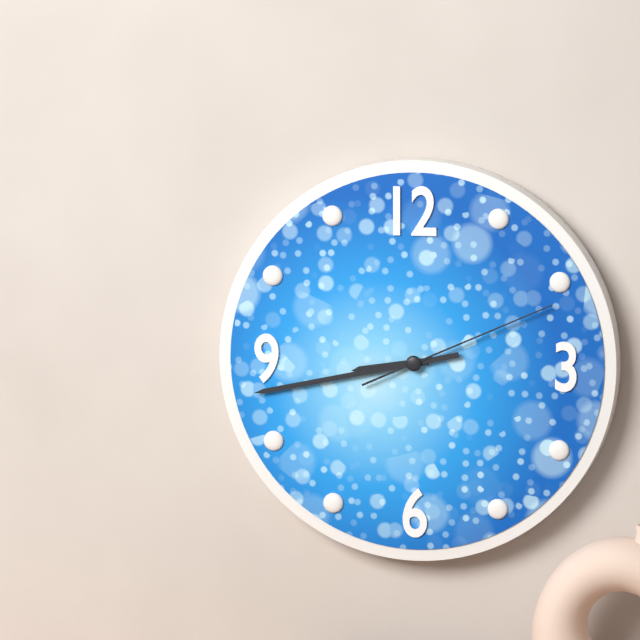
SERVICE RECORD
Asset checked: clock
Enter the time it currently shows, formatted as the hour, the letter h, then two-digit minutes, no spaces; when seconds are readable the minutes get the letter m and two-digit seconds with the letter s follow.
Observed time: 8h43m11s
